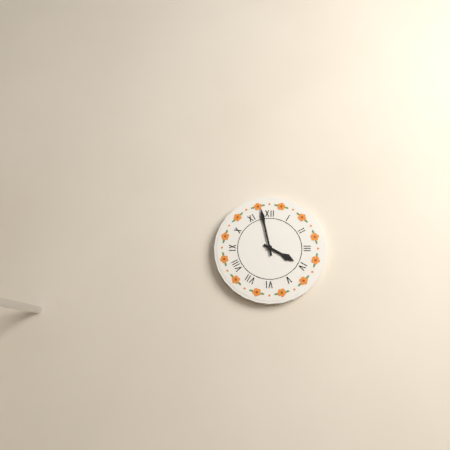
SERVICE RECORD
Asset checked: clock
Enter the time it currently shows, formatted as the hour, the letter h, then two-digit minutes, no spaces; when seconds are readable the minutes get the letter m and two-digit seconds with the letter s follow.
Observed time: 3h58
